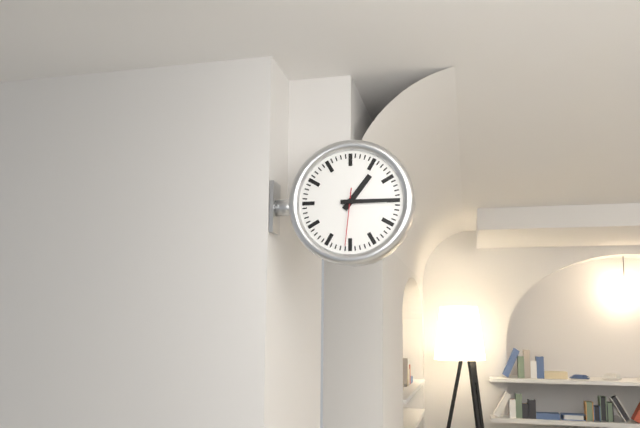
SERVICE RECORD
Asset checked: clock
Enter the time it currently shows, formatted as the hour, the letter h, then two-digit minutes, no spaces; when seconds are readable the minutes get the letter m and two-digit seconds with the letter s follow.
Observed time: 1h15m31s
